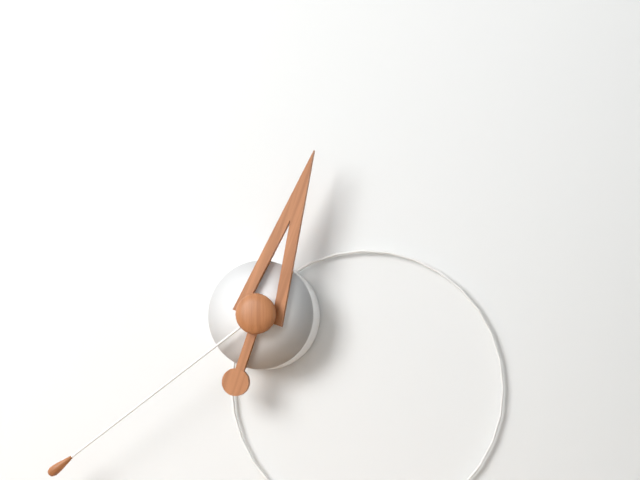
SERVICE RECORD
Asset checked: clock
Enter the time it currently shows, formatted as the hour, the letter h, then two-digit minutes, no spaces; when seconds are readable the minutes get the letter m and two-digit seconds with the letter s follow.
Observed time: 12h39
